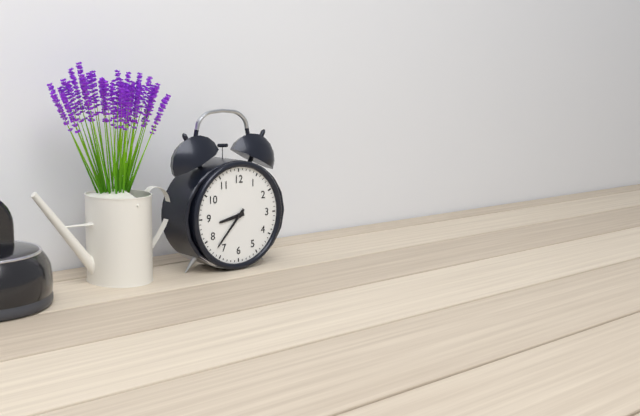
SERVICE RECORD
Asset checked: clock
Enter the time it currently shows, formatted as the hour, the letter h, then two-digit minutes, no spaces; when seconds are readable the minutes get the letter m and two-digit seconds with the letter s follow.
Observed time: 8h37
